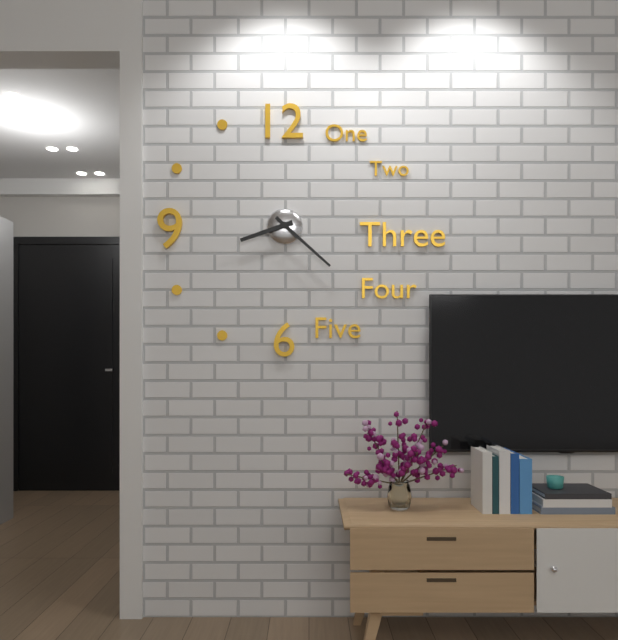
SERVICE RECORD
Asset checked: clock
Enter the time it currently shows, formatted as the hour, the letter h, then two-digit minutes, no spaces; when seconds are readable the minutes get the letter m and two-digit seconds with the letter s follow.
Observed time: 8h22
